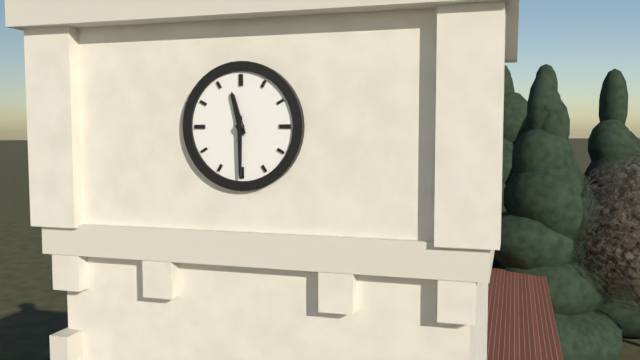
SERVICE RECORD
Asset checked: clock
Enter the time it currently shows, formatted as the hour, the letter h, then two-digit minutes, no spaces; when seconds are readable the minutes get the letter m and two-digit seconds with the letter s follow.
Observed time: 11h30
